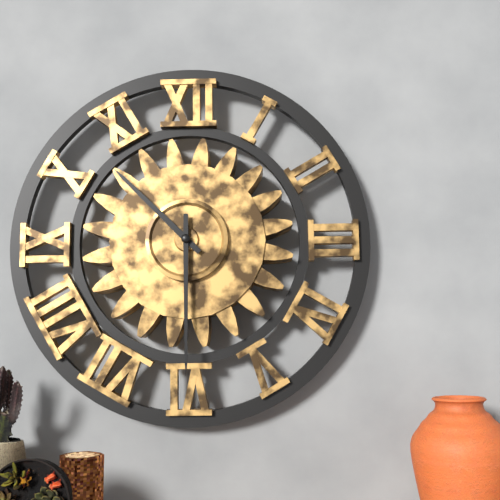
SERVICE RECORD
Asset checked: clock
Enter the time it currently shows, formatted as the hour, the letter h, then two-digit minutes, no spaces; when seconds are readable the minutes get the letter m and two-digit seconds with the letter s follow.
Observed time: 10h30
